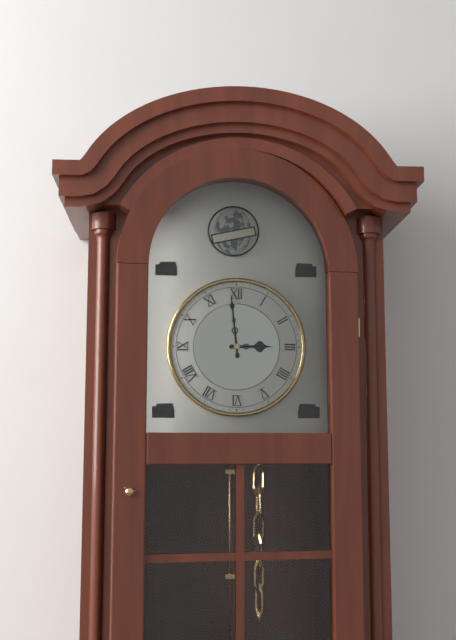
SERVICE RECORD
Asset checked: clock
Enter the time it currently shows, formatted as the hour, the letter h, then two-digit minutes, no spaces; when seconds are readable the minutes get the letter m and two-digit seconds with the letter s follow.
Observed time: 2h59
